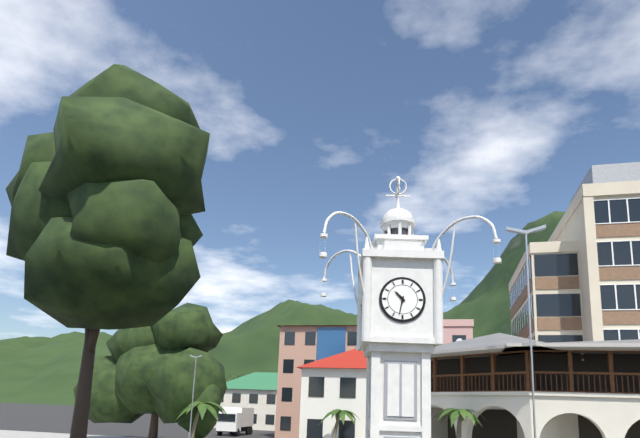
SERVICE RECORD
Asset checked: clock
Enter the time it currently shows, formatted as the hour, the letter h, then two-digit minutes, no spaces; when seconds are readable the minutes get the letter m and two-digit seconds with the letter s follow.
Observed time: 10h32
